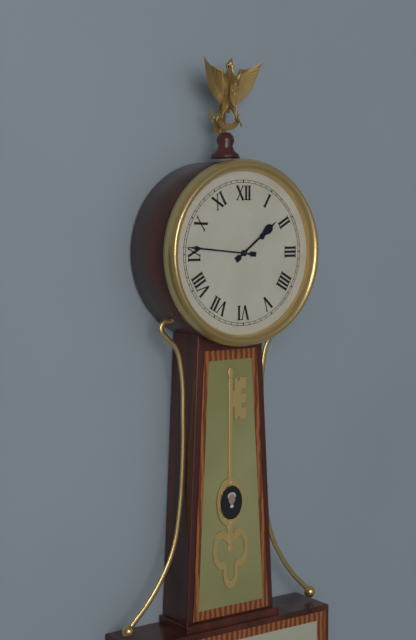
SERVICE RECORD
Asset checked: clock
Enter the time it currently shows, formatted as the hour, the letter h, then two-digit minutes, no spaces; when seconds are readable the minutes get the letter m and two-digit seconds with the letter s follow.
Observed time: 1h46
